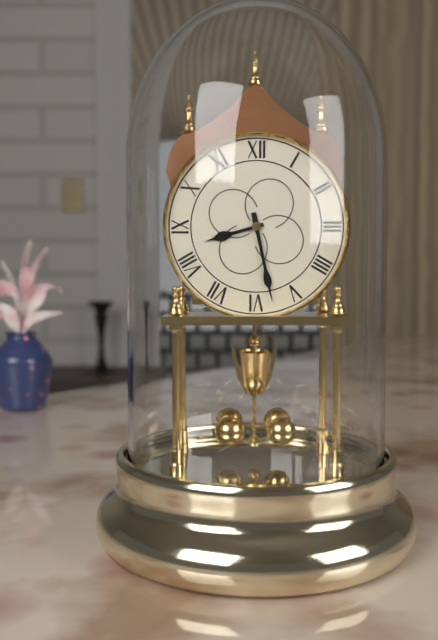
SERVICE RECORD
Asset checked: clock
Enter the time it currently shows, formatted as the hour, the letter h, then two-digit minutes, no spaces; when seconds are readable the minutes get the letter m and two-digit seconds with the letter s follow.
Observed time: 8h28
